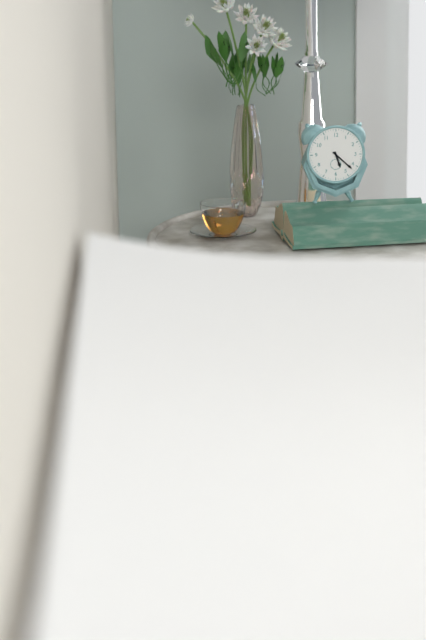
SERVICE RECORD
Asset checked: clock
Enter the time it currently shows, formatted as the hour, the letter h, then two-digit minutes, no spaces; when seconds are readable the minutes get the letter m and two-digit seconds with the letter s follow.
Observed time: 5h22
